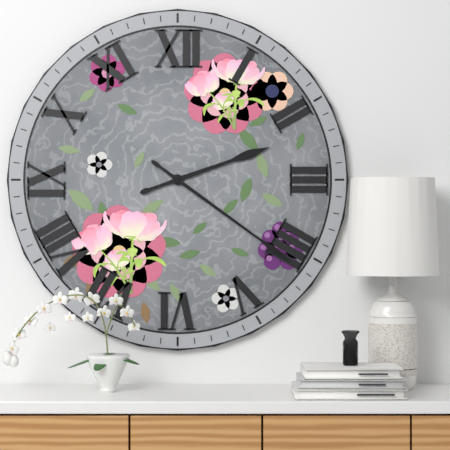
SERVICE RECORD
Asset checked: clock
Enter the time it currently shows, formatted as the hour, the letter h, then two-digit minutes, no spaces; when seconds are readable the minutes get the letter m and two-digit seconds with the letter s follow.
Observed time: 2h21
